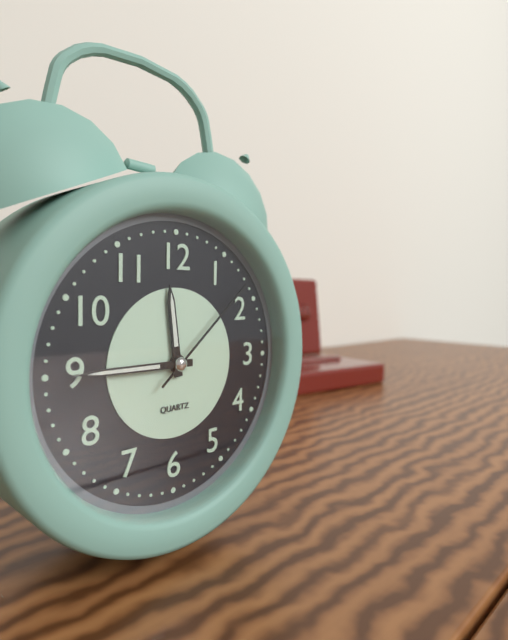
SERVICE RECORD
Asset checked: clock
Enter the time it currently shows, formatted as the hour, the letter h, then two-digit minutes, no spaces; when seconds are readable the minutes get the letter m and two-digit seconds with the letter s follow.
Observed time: 11h45m08s
